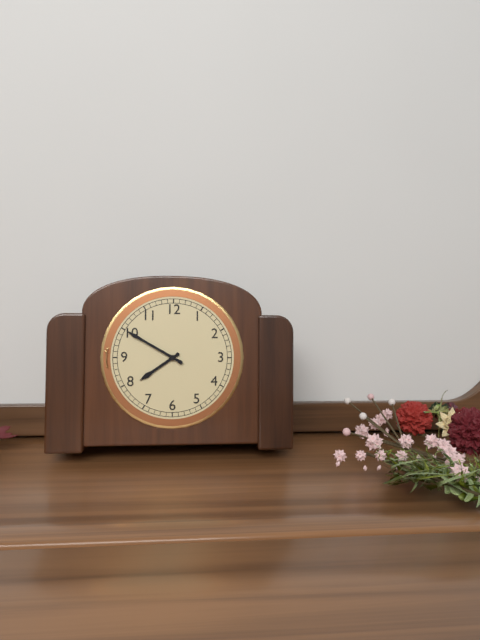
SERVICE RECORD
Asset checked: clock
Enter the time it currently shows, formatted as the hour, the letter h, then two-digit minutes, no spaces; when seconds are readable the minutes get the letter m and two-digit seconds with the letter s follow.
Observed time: 7h50
